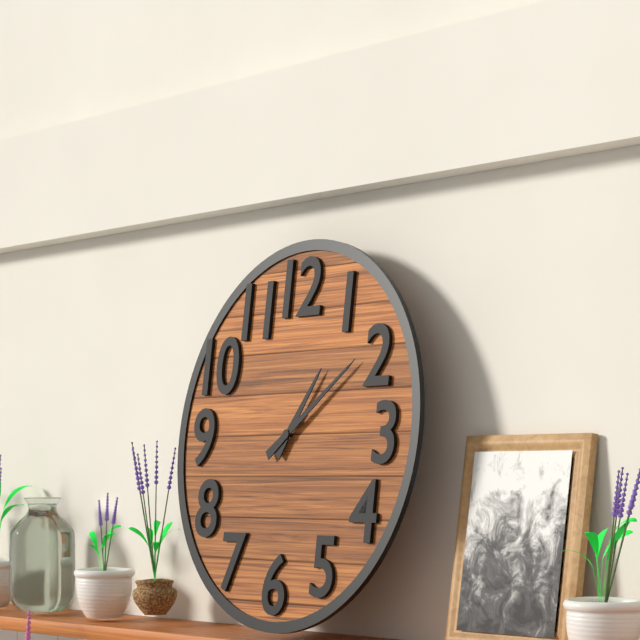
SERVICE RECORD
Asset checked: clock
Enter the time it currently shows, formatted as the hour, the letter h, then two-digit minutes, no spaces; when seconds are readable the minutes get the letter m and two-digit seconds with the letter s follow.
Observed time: 1h09
